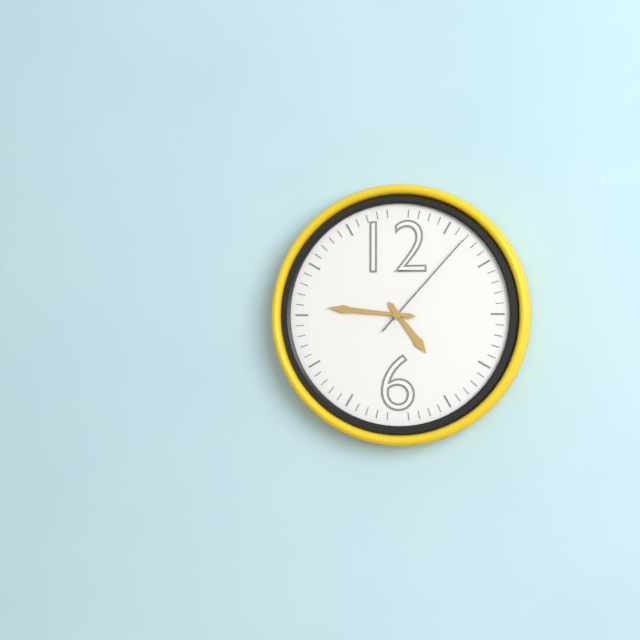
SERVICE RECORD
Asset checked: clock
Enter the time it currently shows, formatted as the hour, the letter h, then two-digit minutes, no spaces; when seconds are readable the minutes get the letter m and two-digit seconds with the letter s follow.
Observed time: 4h46m07s
